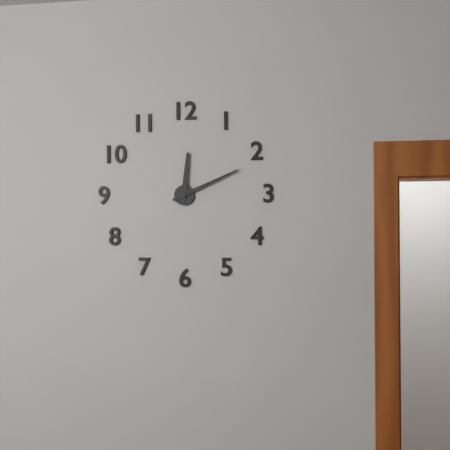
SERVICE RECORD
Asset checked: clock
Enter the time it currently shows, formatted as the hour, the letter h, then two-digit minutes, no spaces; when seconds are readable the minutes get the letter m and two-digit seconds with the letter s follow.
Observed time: 12h11
